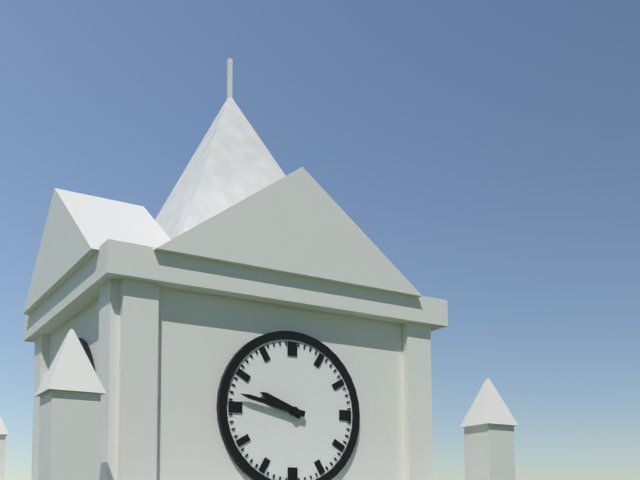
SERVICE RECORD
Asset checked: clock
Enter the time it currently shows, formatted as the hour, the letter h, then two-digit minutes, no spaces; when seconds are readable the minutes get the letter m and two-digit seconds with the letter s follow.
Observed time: 9h47
